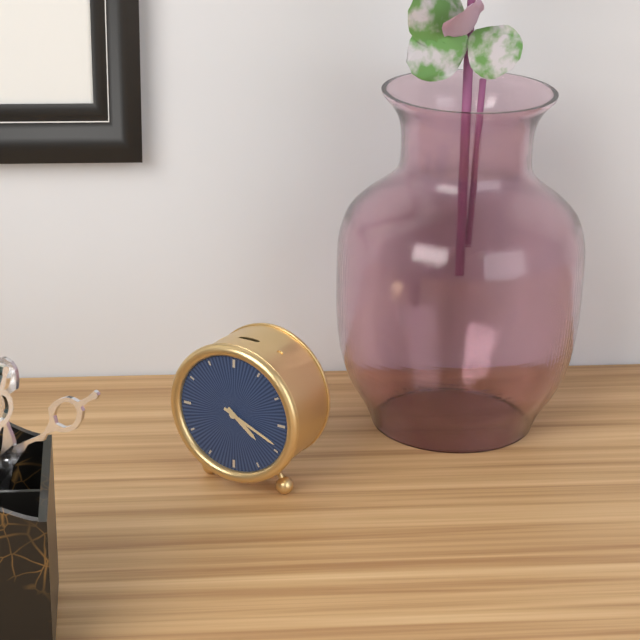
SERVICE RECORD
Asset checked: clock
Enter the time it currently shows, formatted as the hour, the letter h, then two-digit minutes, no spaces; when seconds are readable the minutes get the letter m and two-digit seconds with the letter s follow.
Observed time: 4h19
